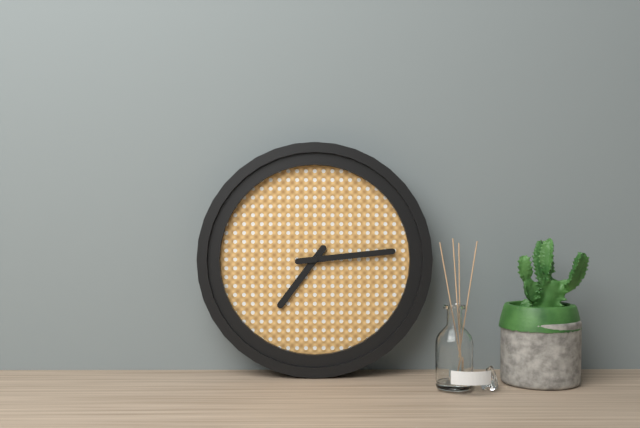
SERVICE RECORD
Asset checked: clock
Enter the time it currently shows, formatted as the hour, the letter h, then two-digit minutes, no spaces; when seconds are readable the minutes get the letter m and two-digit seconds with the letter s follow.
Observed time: 7h14
